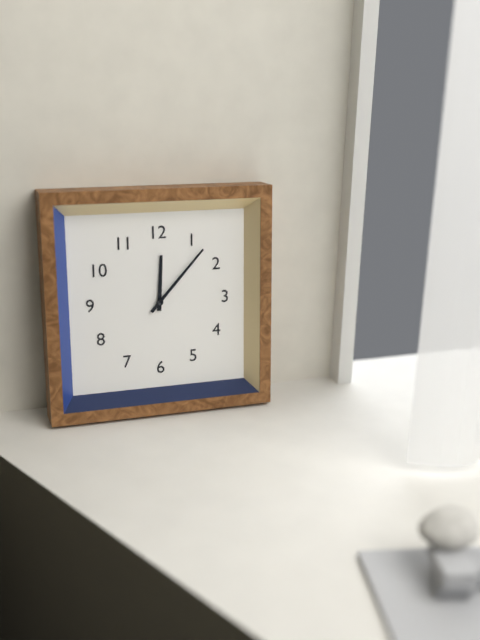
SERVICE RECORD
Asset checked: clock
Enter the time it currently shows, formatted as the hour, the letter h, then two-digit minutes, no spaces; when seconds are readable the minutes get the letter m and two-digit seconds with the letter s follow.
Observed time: 12h07
